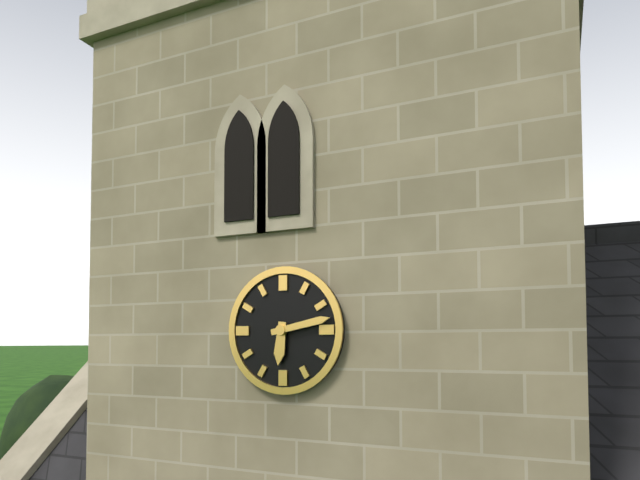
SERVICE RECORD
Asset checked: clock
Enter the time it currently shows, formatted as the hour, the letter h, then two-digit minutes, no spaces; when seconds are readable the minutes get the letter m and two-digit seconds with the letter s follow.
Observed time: 6h13
